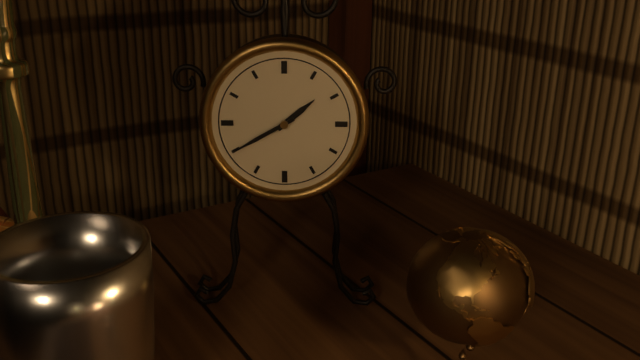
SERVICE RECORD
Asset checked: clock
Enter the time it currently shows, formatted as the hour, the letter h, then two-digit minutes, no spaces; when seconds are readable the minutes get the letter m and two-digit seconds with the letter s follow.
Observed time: 1h40
